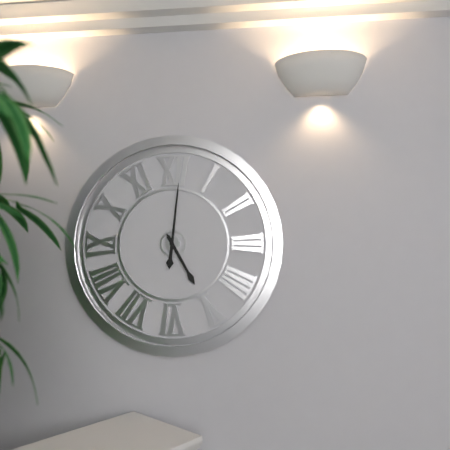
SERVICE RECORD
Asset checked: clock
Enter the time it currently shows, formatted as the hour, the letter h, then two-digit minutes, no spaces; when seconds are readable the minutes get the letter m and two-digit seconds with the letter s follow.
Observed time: 5h01
